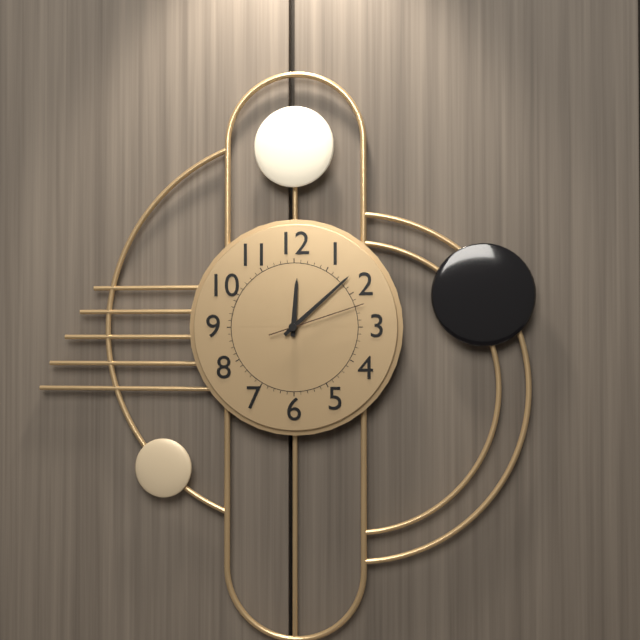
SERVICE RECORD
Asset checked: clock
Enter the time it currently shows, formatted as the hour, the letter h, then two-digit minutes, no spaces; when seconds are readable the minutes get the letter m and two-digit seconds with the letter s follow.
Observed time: 12h08m12s
